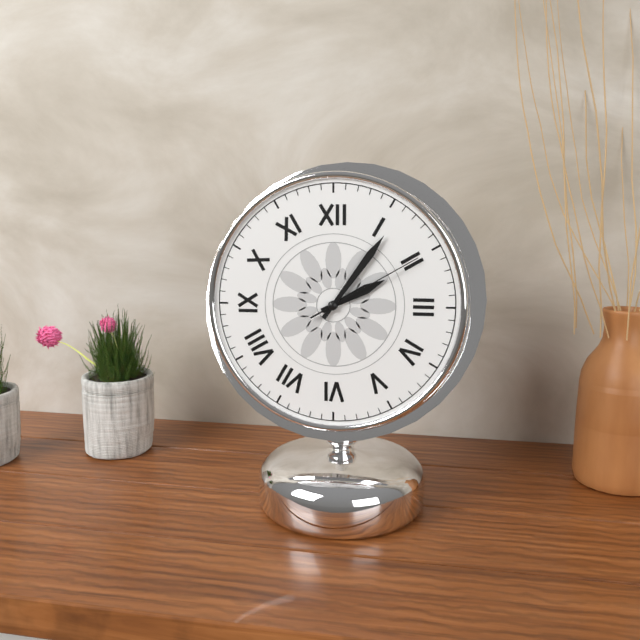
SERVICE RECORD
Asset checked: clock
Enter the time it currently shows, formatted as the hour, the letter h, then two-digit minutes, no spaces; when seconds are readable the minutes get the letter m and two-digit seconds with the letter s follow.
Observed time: 2h06m10s
